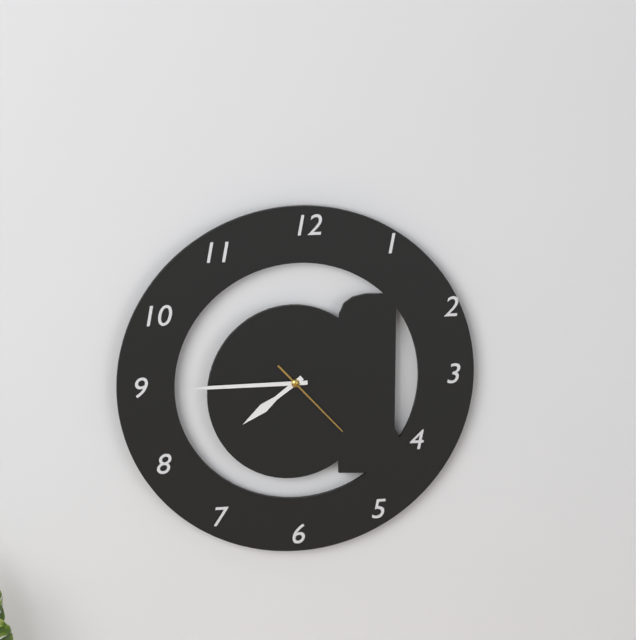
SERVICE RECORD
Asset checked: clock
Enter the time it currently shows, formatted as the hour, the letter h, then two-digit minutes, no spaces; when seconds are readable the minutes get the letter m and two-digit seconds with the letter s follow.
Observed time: 7h45m23s
